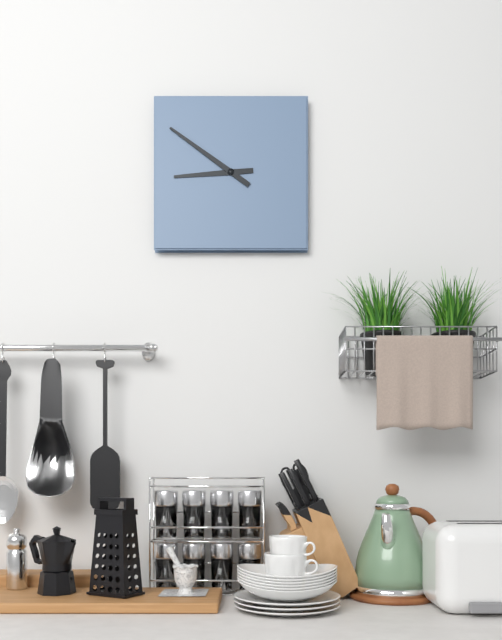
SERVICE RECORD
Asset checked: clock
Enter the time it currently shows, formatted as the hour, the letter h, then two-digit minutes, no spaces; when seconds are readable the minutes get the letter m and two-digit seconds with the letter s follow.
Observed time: 8h51
